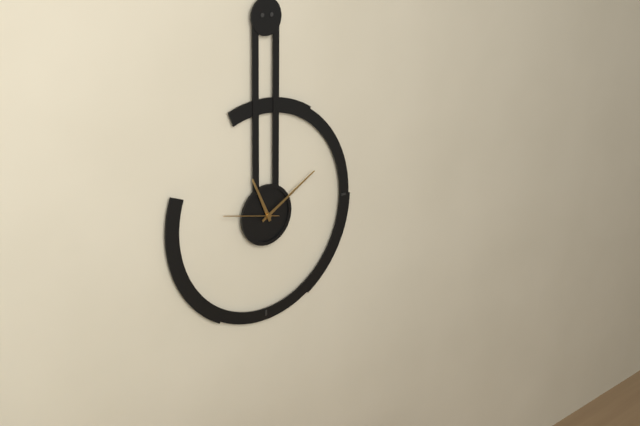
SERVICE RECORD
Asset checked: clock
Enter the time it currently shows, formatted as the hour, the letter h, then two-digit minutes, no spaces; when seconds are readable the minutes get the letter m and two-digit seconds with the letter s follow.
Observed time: 11h10m47s
